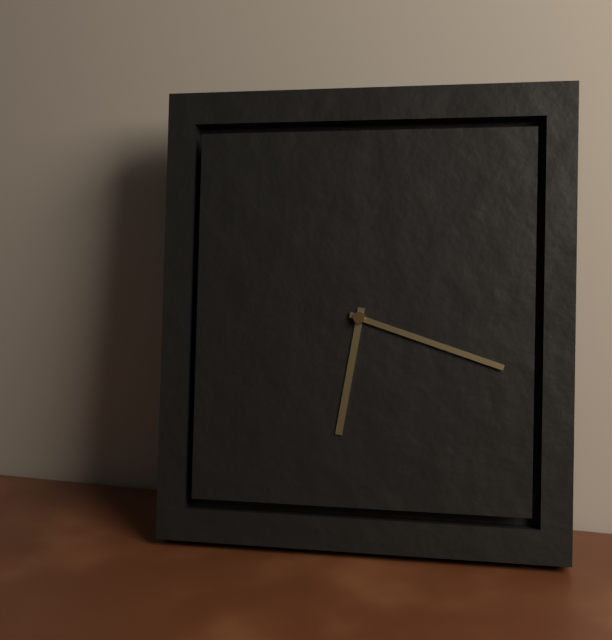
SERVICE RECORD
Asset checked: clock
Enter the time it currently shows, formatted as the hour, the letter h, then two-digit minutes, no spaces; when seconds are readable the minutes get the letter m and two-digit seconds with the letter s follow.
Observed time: 6h18
